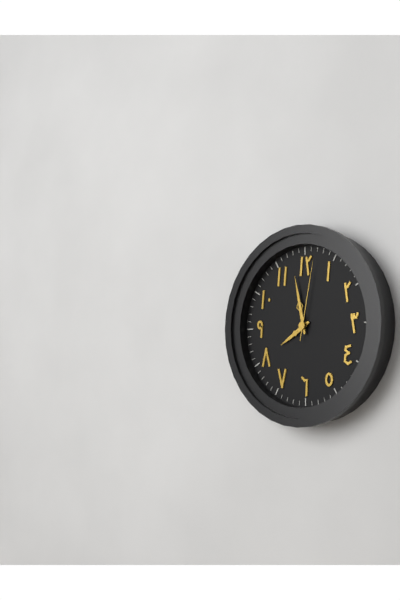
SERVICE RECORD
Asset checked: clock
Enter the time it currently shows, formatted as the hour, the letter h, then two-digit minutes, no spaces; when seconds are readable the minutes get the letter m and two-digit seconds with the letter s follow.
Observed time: 7h58m02s
